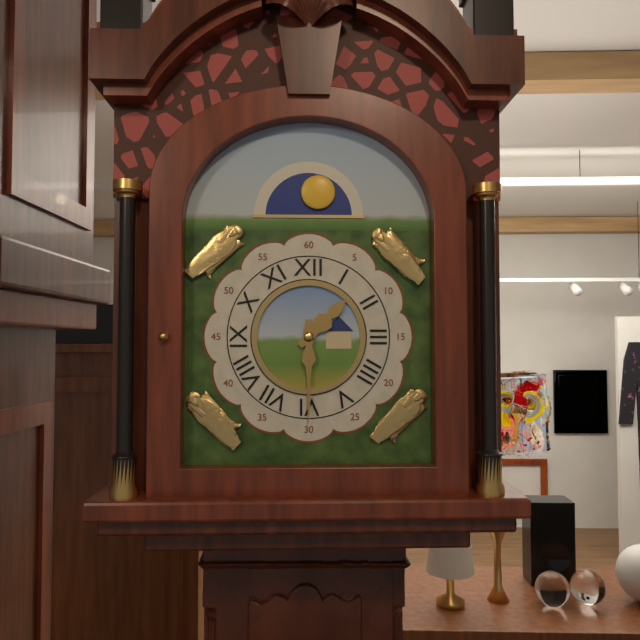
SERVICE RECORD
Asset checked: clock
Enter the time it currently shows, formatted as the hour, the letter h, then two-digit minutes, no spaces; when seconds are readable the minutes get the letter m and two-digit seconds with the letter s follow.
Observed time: 1h30
